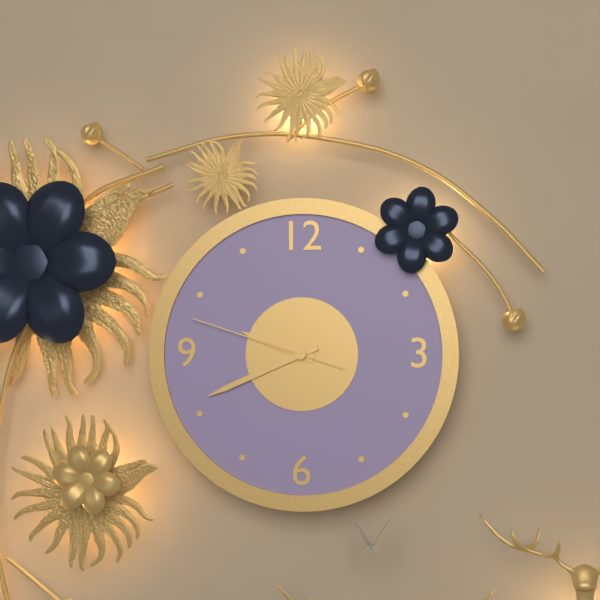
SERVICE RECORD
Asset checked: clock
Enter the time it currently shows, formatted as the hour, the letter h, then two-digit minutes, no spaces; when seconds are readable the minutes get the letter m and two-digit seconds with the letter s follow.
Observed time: 9h41m48s
